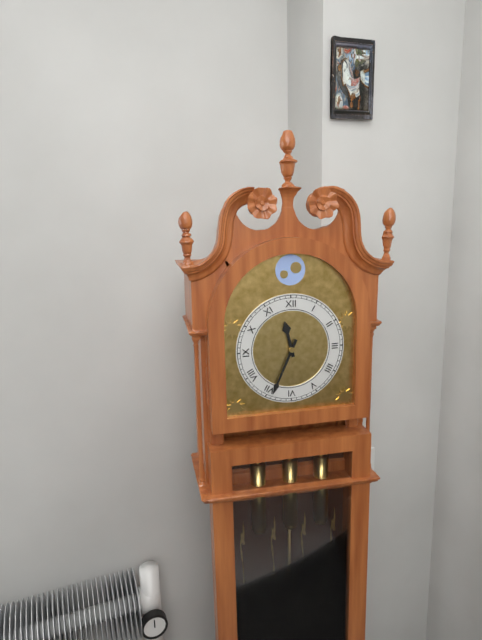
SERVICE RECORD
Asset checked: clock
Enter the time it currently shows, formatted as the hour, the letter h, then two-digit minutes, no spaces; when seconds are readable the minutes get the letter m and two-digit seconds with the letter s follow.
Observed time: 11h34
